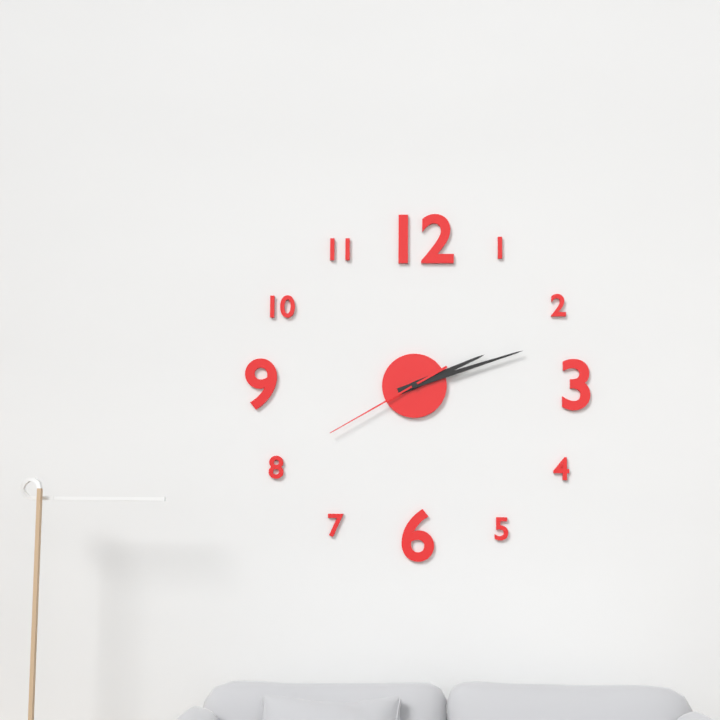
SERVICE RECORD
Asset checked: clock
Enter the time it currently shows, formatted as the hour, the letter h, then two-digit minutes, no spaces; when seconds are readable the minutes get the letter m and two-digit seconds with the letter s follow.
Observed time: 2h12m40s
